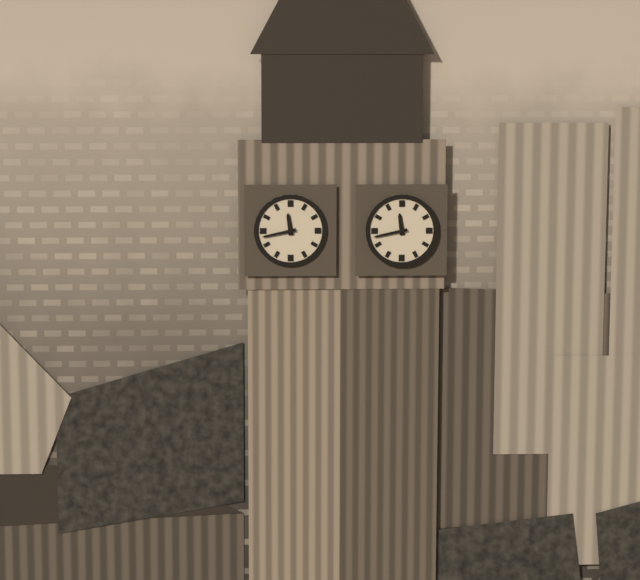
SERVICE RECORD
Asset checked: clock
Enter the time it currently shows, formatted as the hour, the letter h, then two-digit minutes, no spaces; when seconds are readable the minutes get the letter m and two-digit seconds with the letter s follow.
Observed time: 11h43
